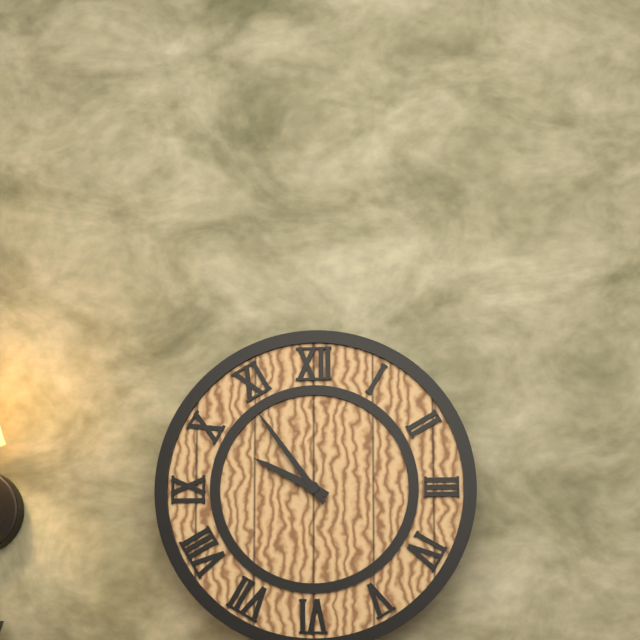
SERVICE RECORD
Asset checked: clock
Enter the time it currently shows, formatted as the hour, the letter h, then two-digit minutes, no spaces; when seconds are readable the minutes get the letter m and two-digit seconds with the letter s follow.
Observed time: 9h54
